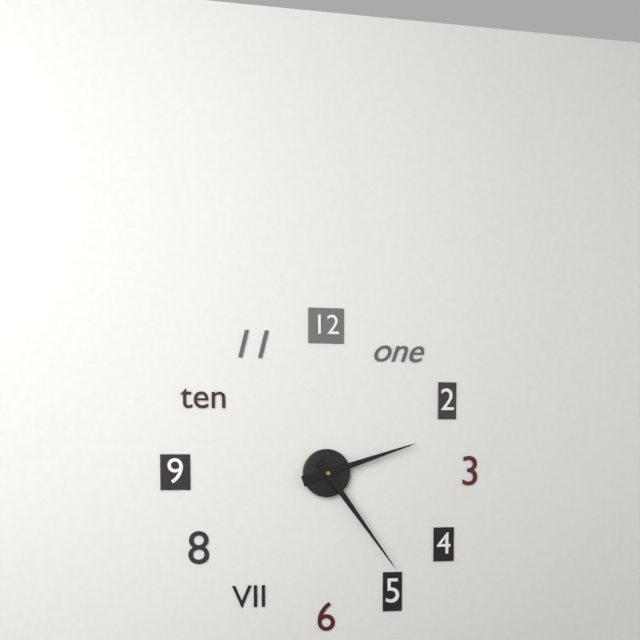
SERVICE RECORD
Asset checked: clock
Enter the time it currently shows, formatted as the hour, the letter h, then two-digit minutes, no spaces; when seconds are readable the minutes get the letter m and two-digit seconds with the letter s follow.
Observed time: 2h24
